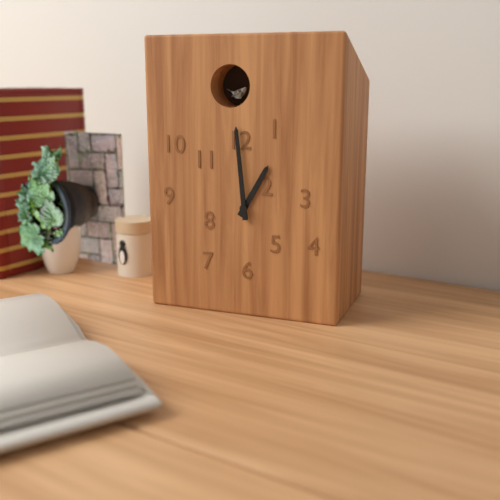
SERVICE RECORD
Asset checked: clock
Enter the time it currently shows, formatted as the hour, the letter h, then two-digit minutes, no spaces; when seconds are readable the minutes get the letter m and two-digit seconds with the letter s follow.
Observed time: 12h59
